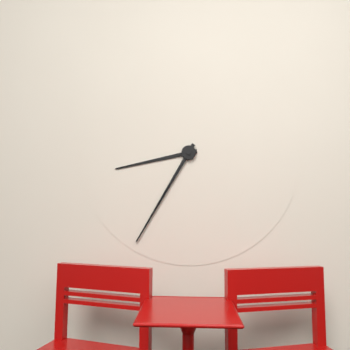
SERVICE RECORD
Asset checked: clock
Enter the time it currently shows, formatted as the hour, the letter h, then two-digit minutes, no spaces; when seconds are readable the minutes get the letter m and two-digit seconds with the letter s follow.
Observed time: 8h35
